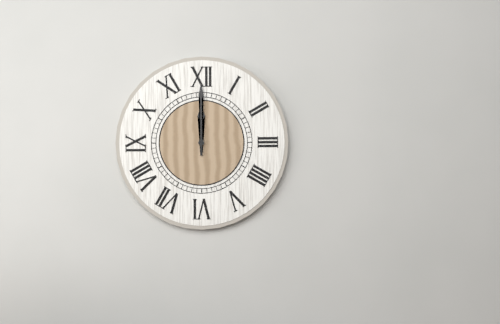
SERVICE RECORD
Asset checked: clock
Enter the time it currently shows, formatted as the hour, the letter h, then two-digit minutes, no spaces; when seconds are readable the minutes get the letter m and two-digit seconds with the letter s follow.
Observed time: 12h00
